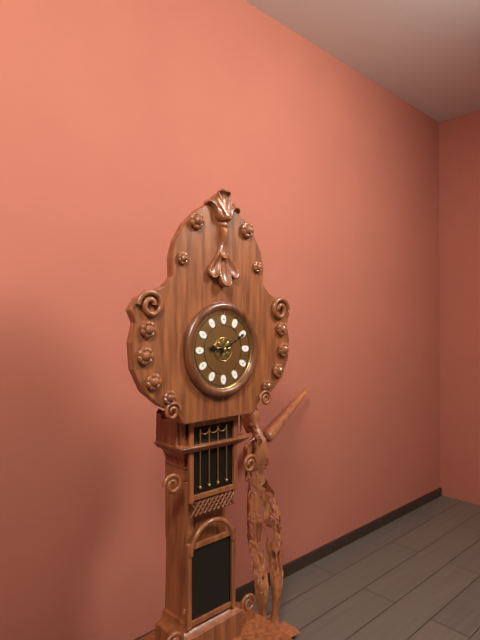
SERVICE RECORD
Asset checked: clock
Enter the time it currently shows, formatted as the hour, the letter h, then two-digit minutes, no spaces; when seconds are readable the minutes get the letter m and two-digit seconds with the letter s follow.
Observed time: 9h10
